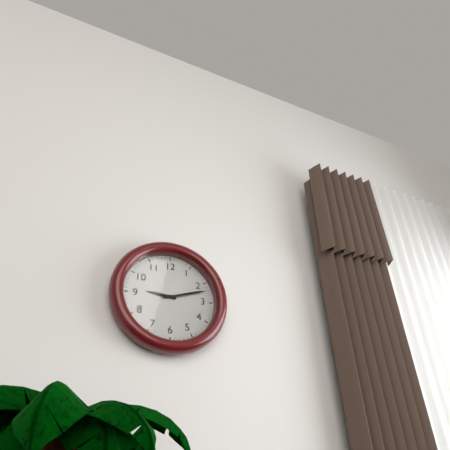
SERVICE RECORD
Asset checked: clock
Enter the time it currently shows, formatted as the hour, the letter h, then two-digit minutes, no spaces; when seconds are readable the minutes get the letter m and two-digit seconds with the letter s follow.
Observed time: 9h12
